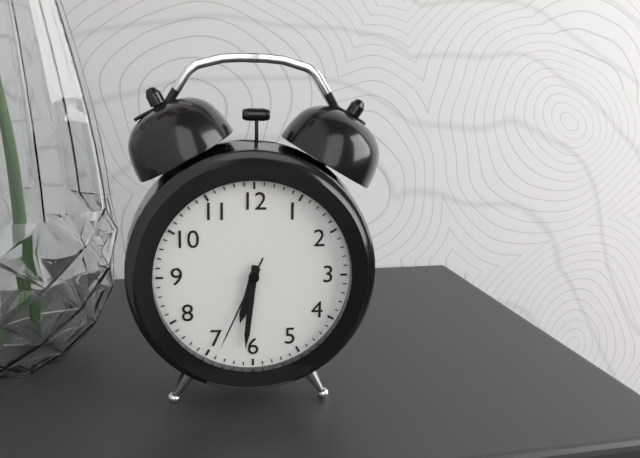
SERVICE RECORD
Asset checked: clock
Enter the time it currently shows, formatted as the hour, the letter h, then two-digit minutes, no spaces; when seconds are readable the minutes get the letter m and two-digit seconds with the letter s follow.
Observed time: 6h31m34s
